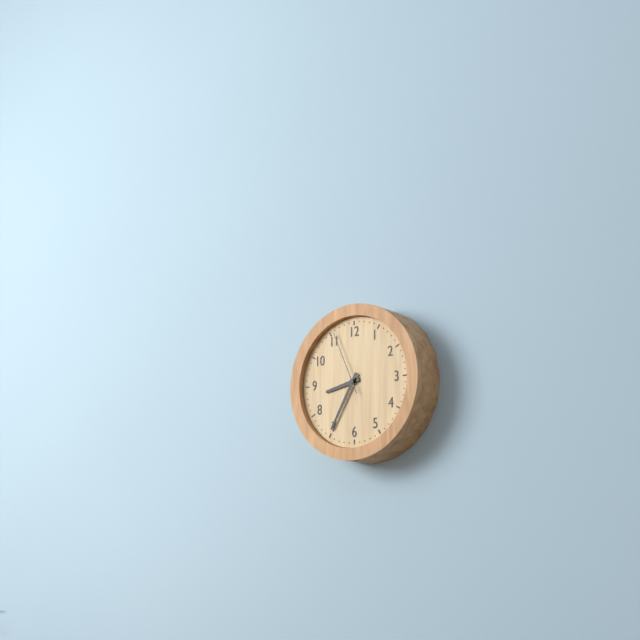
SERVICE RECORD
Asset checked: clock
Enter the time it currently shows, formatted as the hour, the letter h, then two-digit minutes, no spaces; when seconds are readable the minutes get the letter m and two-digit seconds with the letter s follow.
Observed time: 8h35m56s
